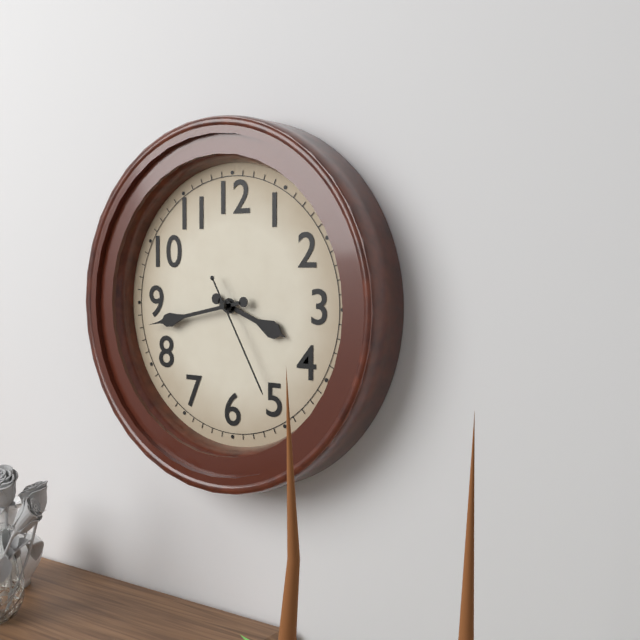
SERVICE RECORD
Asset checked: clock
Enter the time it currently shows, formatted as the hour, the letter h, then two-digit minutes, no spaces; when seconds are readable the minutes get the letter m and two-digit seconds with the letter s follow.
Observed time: 3h43m25s
